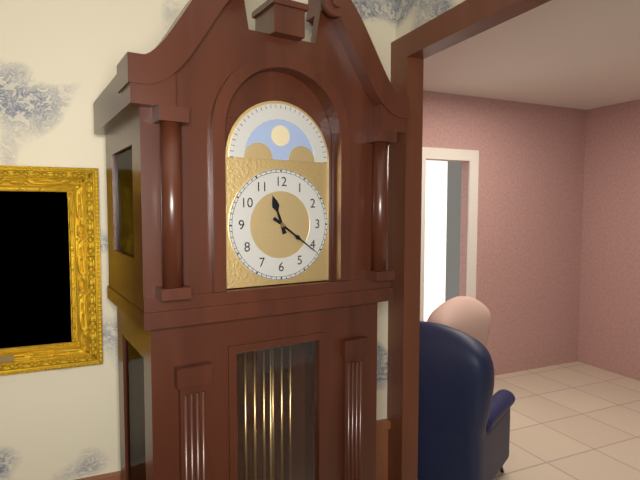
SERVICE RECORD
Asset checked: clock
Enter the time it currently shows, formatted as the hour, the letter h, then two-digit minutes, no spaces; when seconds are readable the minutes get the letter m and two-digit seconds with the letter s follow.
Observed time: 11h21
